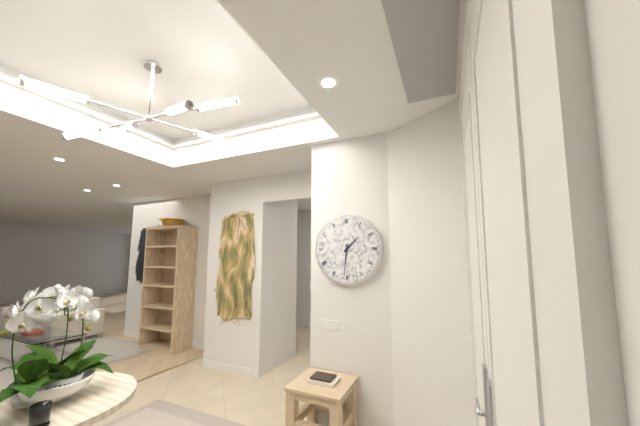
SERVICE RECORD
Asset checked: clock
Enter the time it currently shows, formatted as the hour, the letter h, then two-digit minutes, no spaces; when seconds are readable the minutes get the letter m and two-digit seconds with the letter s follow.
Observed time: 1h31
